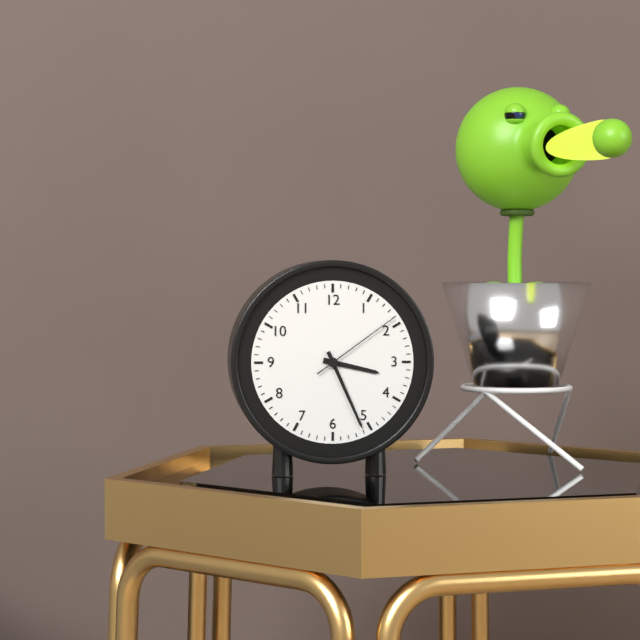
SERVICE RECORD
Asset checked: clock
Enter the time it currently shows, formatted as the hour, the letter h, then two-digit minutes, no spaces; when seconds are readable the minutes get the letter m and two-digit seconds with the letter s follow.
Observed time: 3h26m09s
